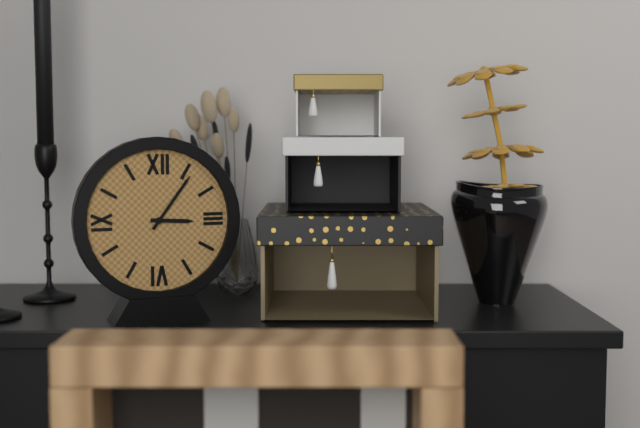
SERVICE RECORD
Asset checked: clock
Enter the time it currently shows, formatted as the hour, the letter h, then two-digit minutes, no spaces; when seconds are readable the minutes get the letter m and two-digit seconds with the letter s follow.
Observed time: 3h06
